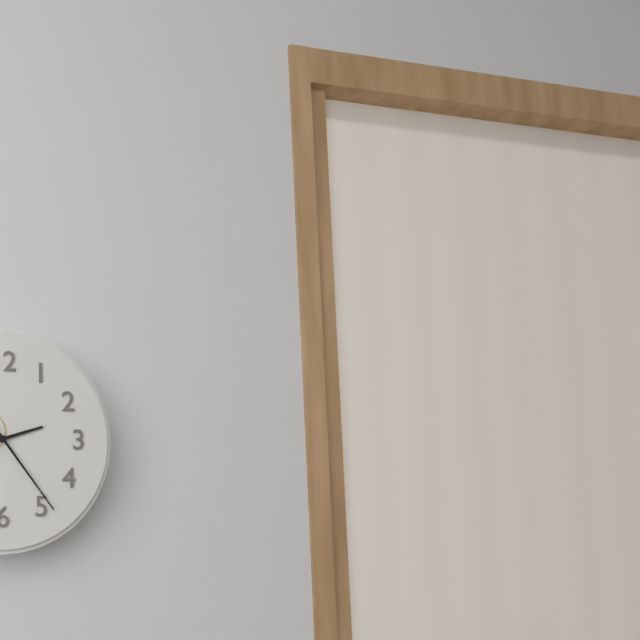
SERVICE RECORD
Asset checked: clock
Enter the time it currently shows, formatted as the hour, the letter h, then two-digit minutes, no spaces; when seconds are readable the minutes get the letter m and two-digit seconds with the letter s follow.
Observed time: 2h24
